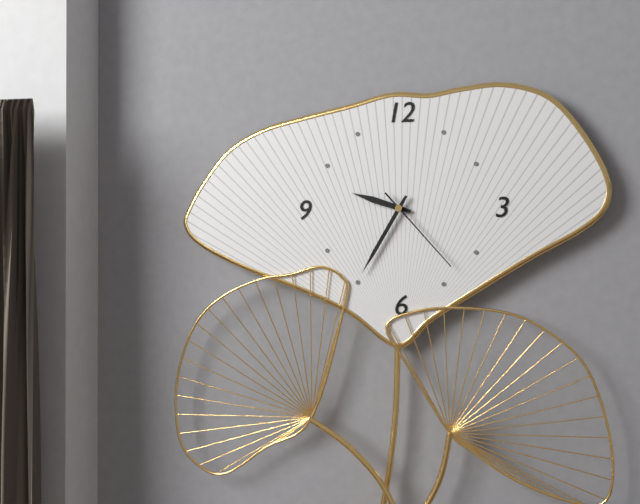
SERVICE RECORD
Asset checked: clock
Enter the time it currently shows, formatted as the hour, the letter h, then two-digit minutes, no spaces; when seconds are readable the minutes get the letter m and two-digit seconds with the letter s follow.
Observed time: 9h35m23s
